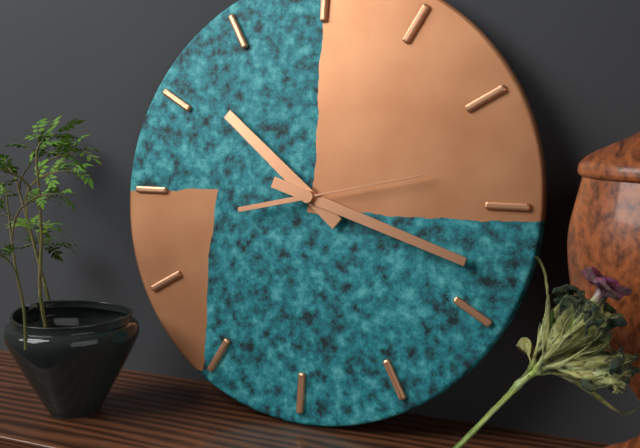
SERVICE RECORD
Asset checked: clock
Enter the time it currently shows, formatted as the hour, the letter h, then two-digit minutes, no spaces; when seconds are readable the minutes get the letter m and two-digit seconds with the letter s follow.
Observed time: 10h18m13s
